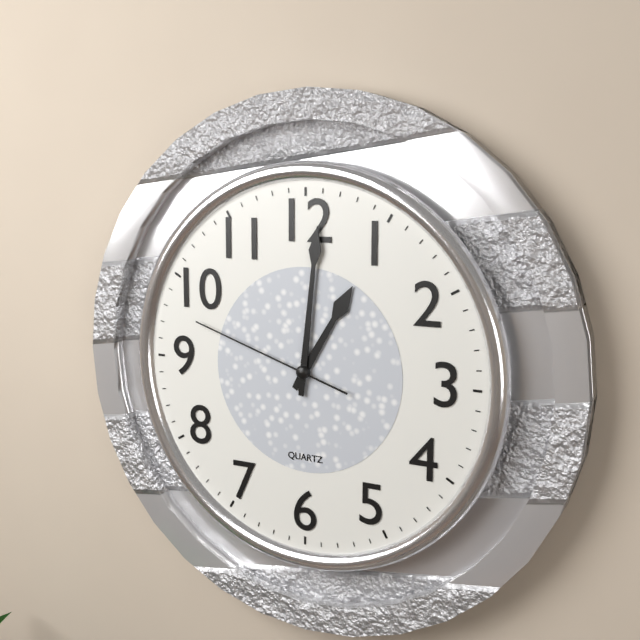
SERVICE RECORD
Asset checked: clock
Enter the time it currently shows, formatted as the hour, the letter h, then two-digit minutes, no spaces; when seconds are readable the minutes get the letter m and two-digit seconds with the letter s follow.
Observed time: 1h01m48s
